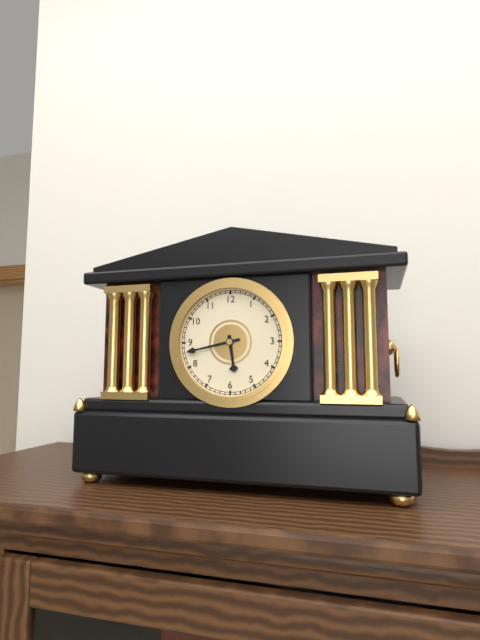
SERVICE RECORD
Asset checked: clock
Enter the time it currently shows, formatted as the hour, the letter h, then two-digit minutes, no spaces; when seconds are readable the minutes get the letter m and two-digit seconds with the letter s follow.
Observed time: 5h43
